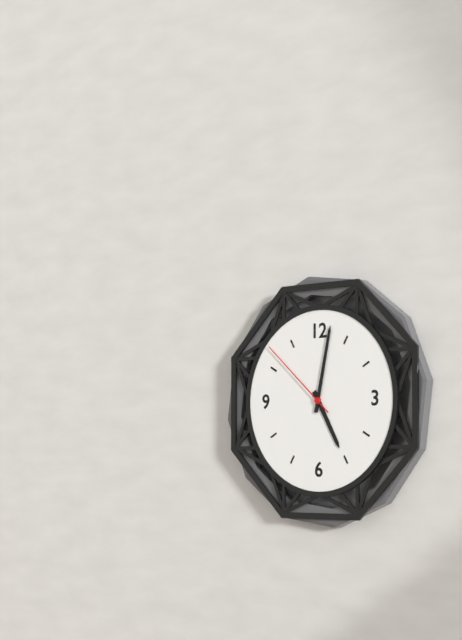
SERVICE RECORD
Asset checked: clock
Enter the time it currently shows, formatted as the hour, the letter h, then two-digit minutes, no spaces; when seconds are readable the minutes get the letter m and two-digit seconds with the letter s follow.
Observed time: 5h02m52s
